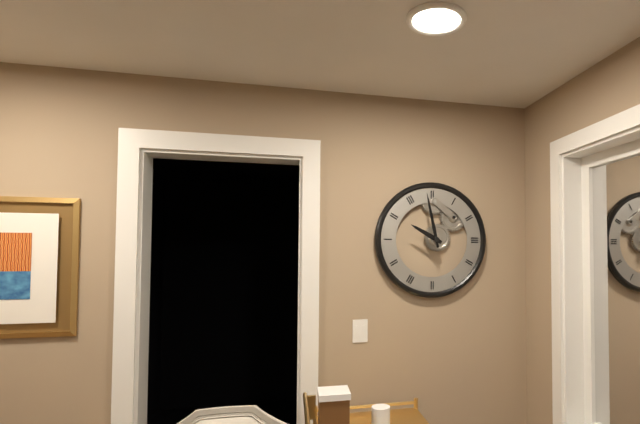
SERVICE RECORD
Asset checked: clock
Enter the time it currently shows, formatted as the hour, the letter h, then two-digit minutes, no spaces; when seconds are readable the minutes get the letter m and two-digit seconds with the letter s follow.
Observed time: 9h58
